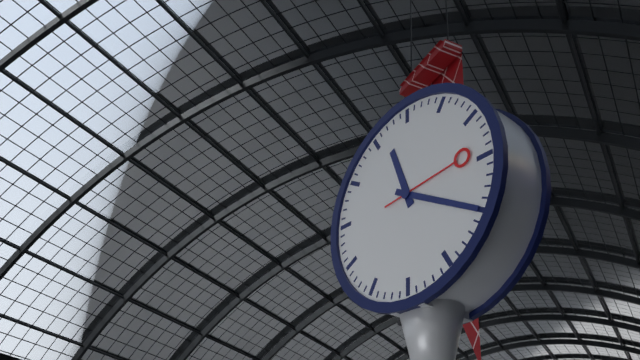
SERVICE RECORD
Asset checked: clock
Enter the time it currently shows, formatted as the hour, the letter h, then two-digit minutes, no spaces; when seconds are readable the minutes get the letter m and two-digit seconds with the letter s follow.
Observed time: 11h20m14s
